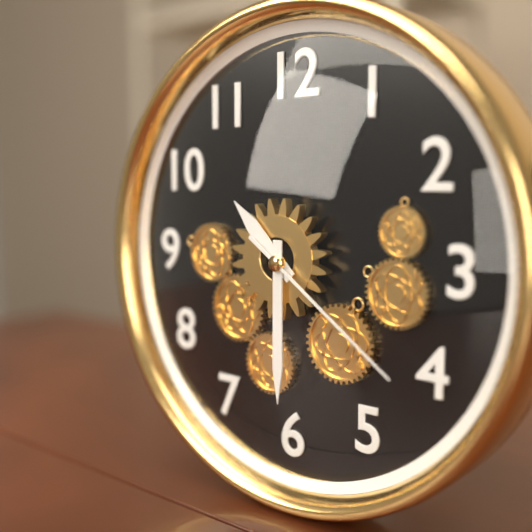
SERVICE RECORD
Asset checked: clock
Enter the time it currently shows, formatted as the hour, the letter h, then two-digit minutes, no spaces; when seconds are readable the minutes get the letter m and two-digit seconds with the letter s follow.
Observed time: 10h30m21s
